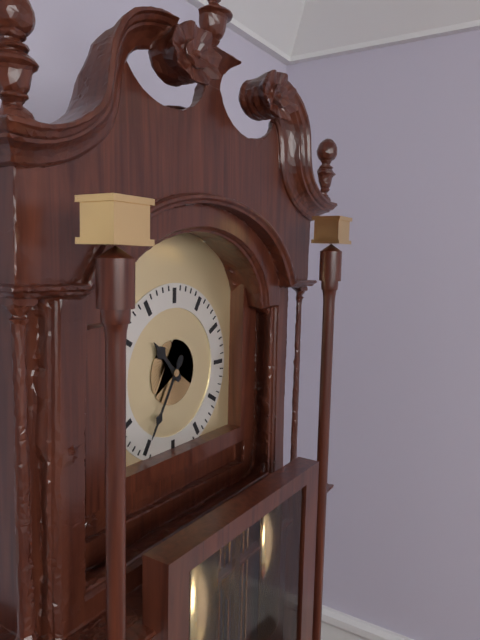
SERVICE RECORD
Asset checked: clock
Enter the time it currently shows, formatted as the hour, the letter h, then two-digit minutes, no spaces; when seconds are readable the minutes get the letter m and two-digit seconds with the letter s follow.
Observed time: 10h35
